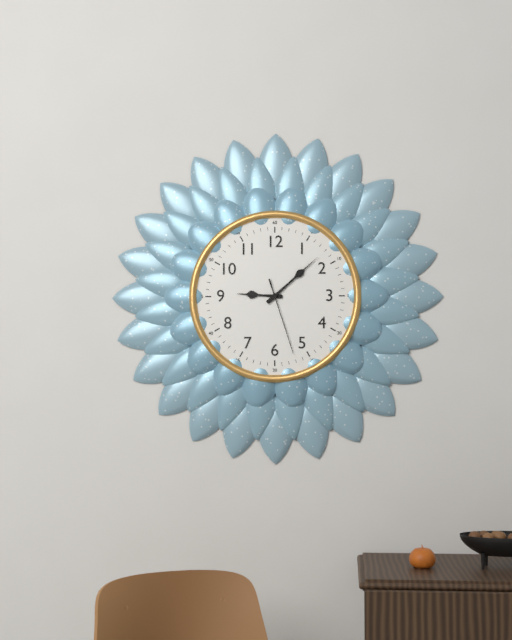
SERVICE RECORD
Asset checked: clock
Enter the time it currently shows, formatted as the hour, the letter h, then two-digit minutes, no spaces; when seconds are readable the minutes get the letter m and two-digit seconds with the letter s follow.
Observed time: 9h08m27s
